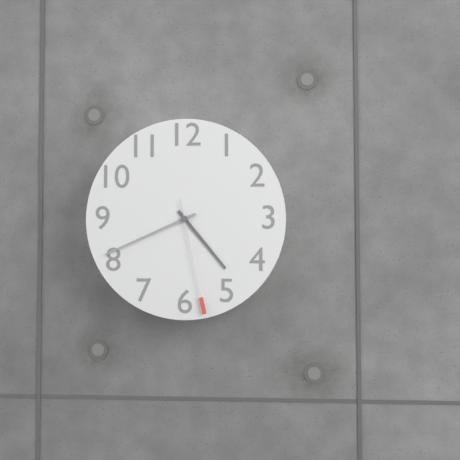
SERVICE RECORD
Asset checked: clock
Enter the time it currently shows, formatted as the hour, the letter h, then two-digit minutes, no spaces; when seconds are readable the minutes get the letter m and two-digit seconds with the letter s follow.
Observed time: 4h41m28s
